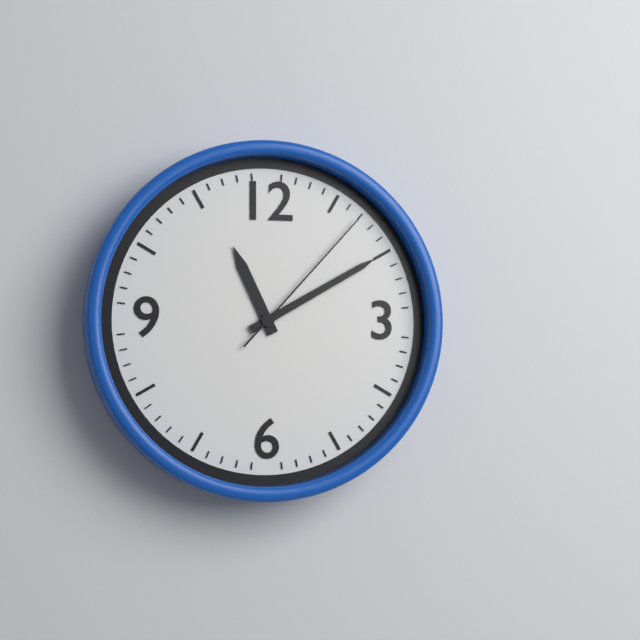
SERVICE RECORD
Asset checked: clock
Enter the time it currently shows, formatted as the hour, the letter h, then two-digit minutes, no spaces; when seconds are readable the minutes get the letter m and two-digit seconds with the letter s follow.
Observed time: 11h10m07s
